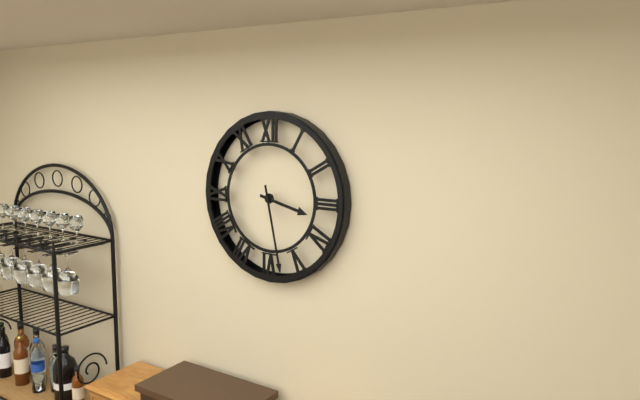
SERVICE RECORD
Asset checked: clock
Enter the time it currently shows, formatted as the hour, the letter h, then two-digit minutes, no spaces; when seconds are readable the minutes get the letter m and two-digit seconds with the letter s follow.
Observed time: 3h28
